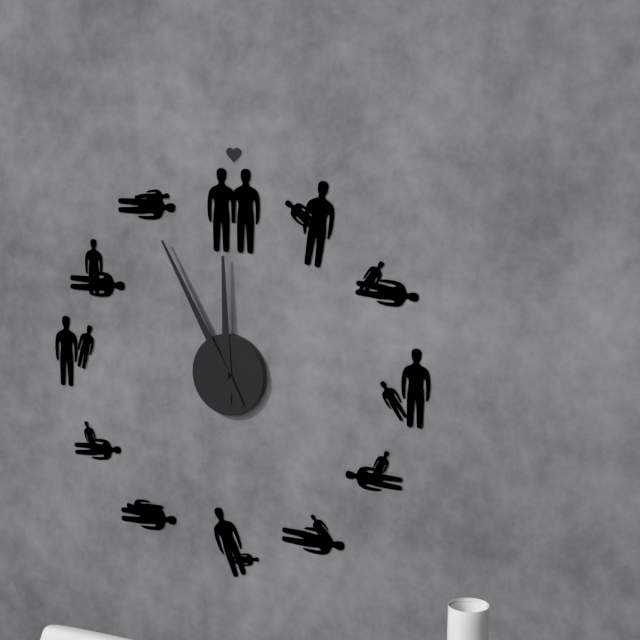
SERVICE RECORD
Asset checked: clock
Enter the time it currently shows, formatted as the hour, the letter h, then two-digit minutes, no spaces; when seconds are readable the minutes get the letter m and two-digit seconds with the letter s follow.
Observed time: 11h55
